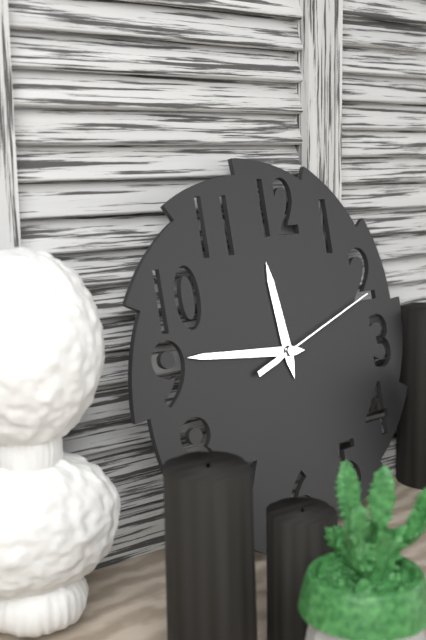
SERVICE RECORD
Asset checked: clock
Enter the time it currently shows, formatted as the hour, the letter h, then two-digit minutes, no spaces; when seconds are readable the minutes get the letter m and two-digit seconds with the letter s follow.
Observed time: 11h46m12s
